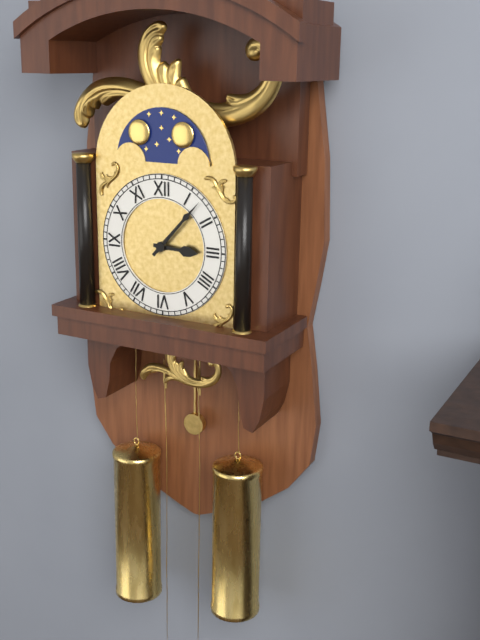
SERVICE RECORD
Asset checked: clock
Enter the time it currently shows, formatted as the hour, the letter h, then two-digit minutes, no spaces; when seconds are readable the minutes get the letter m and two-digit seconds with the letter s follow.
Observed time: 3h07
